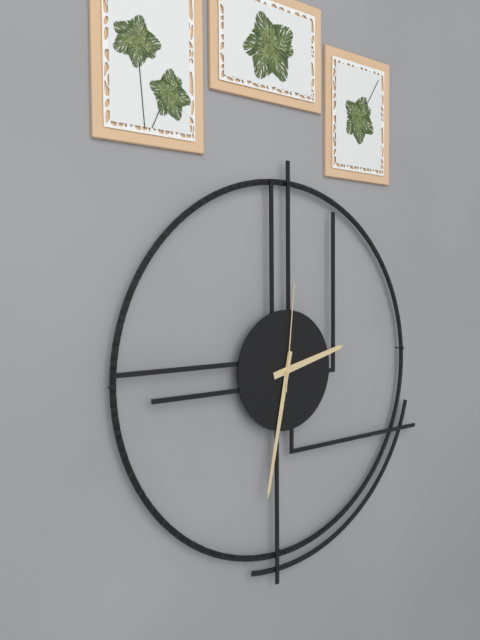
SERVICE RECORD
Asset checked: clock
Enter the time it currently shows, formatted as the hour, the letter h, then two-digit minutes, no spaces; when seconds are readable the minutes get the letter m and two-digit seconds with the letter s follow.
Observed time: 2h32m01s
